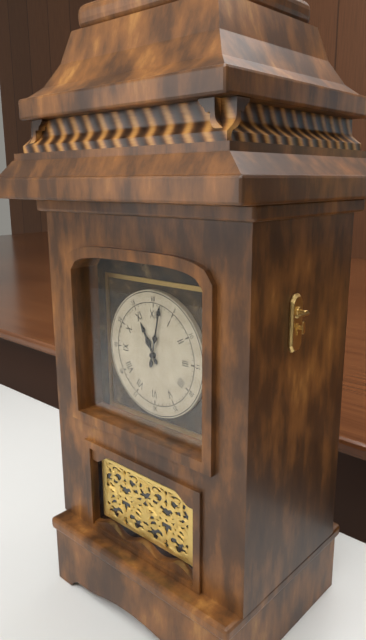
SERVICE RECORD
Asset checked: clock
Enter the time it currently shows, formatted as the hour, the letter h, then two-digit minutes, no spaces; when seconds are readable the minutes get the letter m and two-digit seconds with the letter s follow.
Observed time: 11h02
